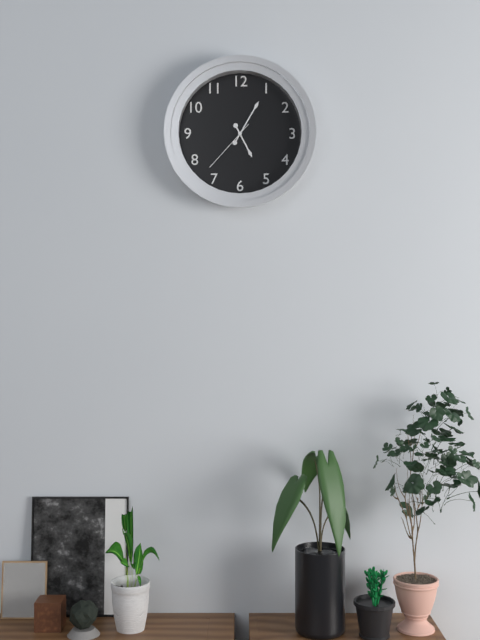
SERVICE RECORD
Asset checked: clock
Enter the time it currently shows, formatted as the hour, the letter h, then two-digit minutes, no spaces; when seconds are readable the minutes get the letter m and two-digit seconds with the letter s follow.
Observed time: 5h05m37s
